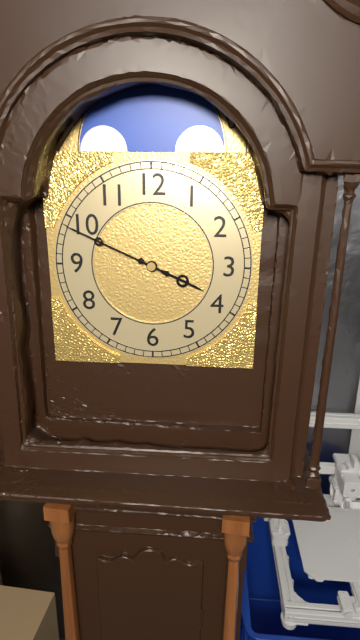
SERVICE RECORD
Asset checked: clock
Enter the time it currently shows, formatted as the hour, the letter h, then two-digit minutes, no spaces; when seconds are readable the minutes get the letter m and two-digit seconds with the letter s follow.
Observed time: 3h49
